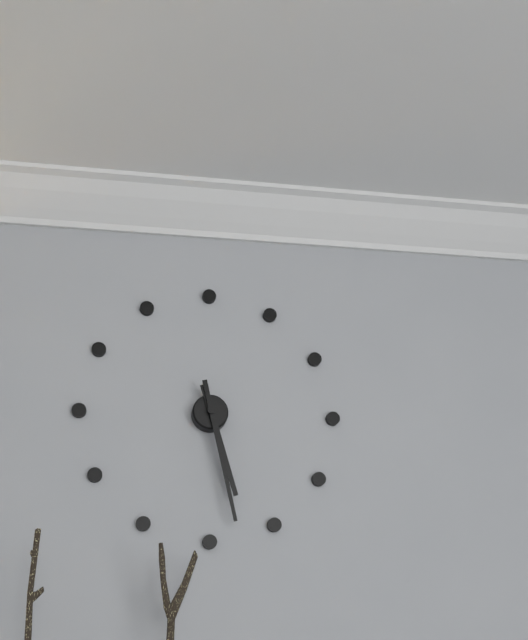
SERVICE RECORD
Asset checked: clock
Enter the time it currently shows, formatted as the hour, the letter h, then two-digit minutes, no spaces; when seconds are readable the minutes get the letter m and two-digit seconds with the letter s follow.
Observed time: 5h28
